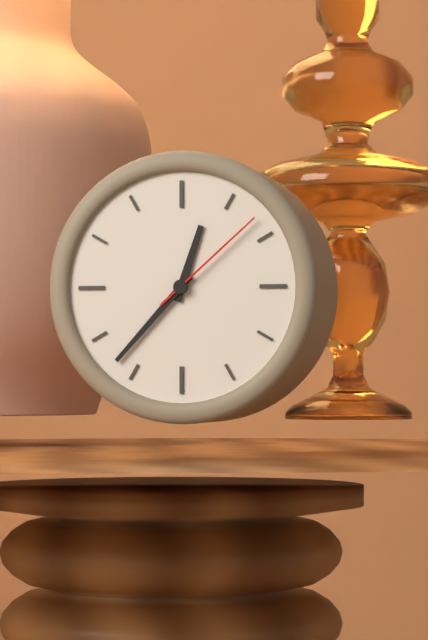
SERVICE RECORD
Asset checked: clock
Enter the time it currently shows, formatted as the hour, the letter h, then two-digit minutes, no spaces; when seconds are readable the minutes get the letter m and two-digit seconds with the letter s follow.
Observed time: 12h37m08s
